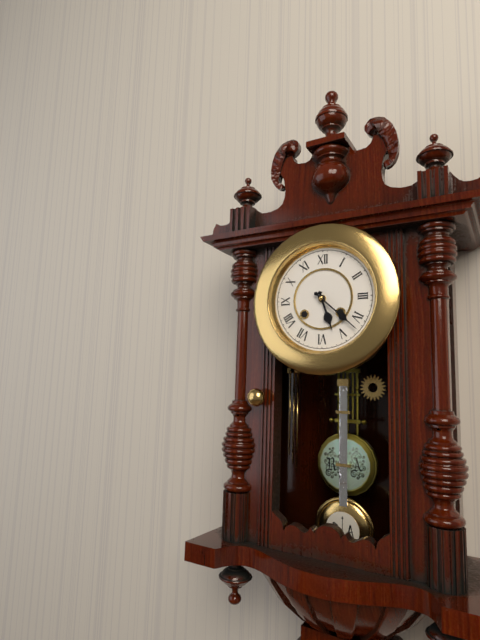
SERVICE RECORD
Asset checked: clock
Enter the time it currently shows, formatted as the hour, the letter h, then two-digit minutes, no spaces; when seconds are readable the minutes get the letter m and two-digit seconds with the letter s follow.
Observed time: 5h22
